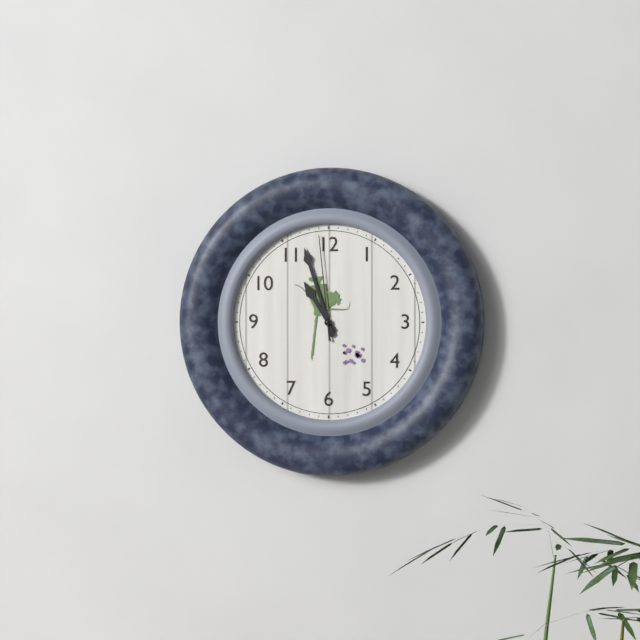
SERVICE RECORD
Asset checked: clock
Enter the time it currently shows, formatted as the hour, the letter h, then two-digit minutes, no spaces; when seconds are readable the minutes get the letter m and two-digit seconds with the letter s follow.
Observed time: 10h57m59s
